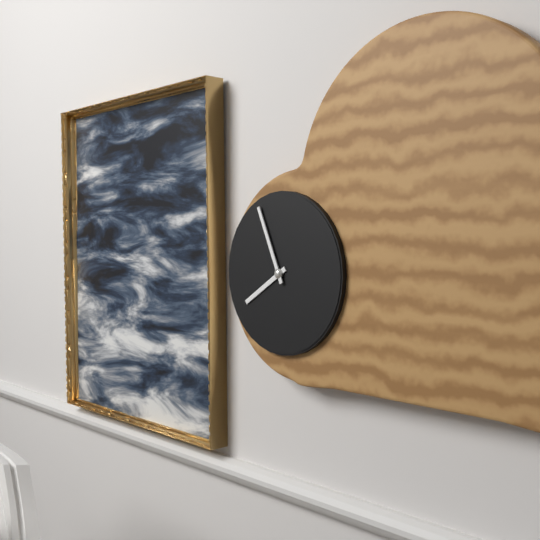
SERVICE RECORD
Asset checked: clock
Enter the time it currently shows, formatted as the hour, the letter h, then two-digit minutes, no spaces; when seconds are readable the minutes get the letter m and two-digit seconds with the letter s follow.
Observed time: 7h56
